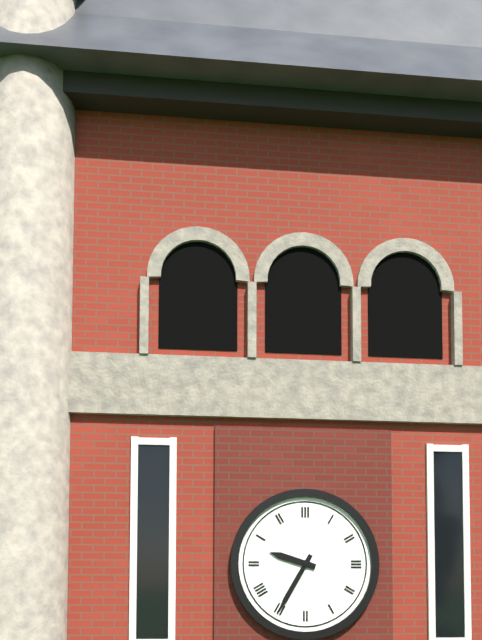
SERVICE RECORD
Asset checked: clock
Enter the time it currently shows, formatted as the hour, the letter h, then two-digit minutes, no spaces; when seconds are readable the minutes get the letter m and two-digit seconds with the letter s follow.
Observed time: 9h35
